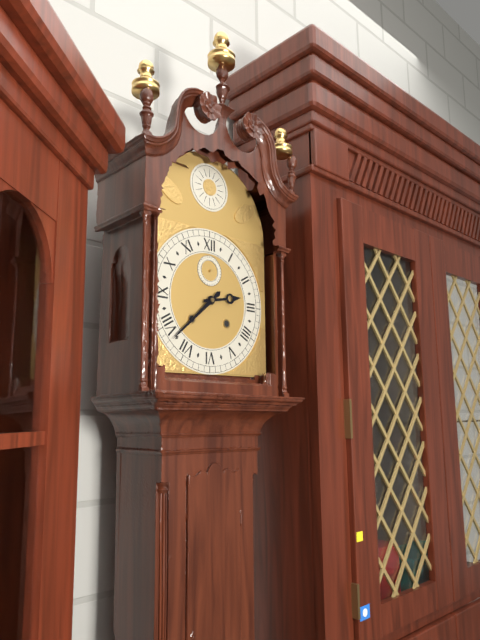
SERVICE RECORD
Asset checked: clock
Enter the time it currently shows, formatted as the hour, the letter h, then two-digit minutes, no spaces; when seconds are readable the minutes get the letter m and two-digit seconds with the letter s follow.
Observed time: 2h38
